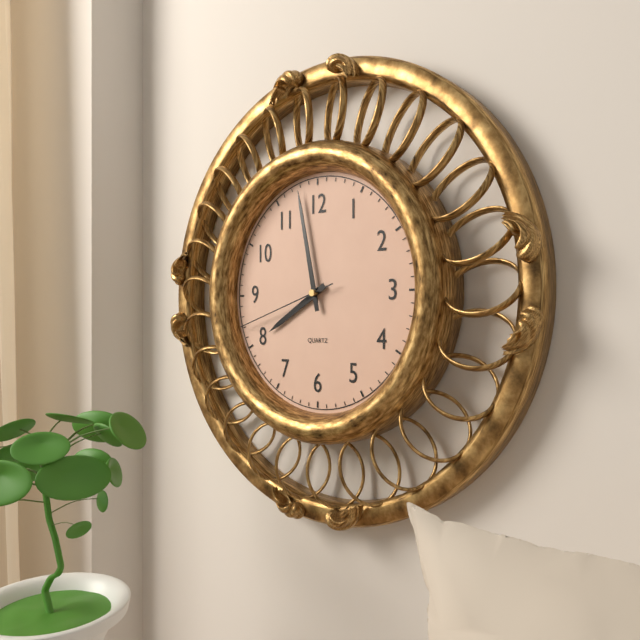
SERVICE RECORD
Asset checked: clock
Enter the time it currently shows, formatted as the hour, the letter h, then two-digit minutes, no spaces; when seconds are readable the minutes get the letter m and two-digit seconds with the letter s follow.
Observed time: 7h58m42s
